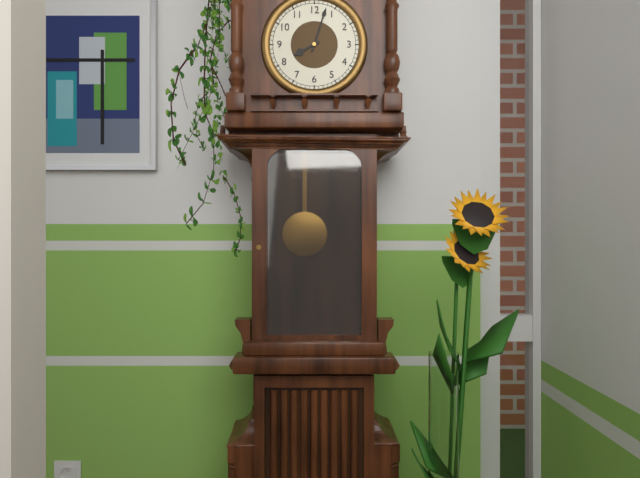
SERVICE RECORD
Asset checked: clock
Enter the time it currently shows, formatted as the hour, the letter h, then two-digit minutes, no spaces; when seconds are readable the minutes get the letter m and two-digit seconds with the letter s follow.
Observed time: 8h03
